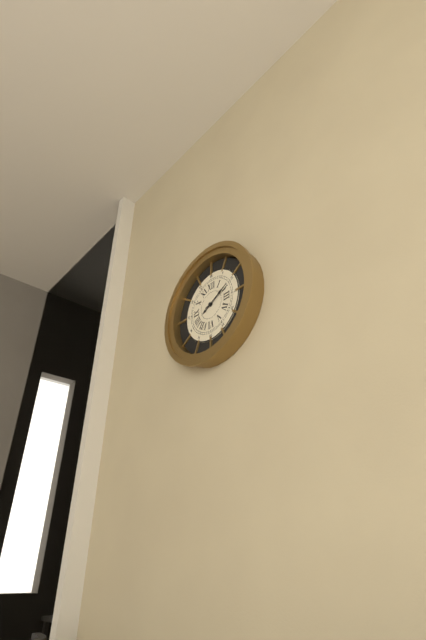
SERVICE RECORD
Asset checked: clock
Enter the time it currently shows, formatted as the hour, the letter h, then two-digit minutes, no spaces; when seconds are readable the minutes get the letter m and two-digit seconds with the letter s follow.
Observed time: 8h10
